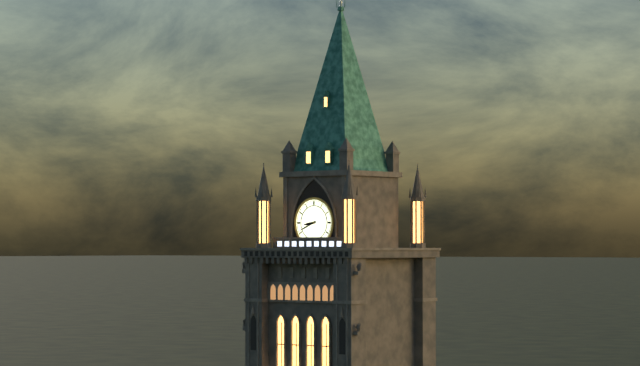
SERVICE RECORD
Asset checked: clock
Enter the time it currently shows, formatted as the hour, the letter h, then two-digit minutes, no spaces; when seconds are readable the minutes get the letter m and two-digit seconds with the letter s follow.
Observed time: 8h41
